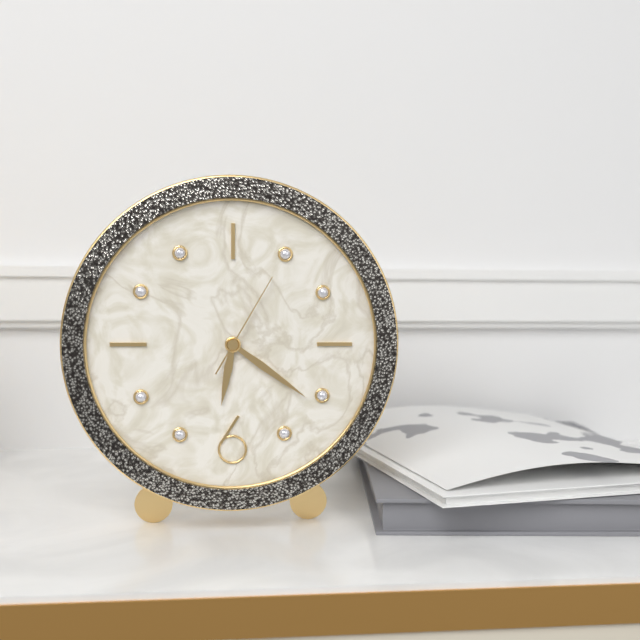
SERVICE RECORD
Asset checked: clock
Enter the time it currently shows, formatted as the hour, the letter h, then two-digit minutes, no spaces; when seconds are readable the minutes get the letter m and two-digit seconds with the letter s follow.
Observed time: 6h21m05s
